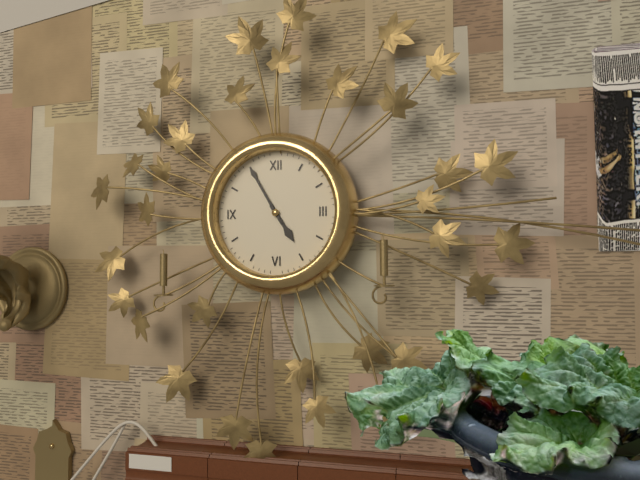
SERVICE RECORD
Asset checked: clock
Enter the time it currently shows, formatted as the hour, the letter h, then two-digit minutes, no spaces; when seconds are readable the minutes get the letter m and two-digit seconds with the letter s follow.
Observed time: 4h55
